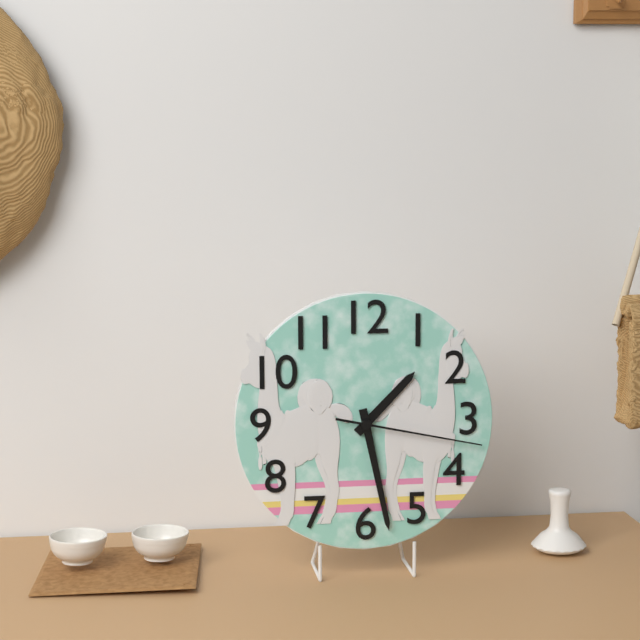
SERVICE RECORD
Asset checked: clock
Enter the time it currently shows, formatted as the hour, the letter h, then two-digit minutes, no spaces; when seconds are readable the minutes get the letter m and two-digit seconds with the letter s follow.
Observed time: 1h28m17s
